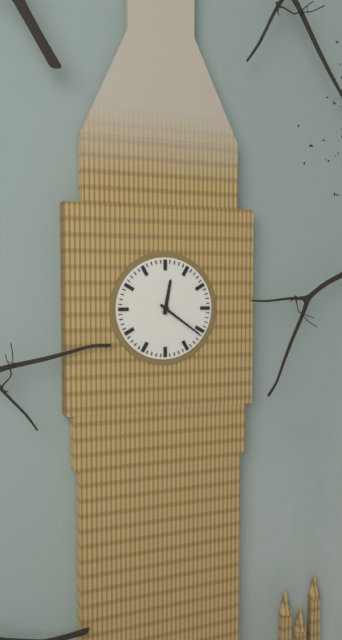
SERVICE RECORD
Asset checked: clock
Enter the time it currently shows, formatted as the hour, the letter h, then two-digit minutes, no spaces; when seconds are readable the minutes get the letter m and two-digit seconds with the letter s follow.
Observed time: 12h21
